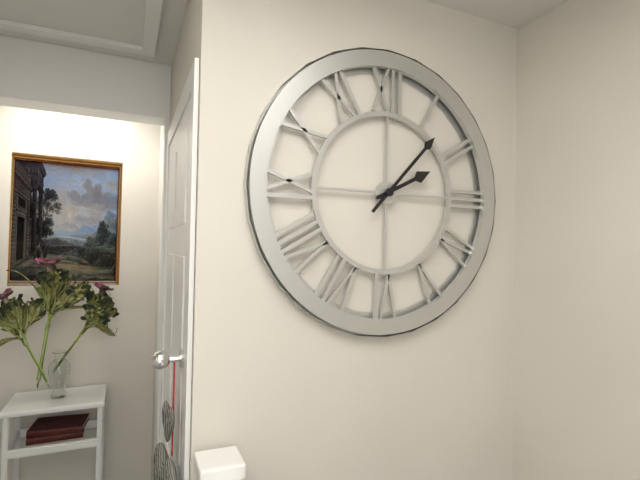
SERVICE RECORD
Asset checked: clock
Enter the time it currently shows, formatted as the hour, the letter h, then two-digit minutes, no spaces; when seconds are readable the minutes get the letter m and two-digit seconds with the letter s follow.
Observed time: 2h07
